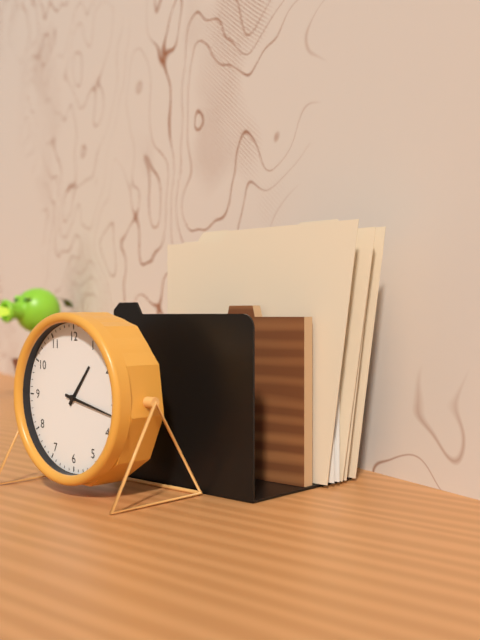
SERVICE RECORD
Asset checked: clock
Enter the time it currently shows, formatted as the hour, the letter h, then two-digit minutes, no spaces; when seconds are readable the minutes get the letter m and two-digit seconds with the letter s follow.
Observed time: 1h17
